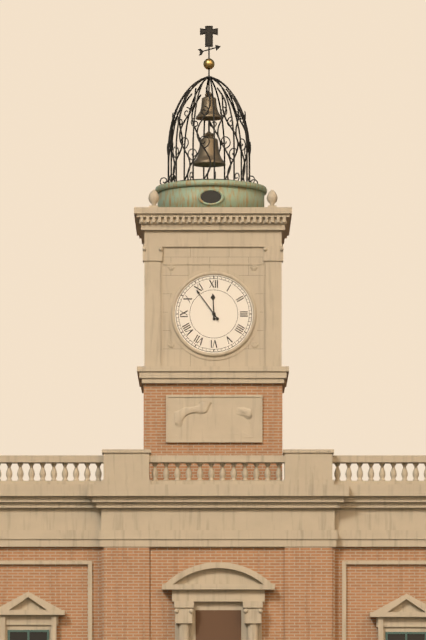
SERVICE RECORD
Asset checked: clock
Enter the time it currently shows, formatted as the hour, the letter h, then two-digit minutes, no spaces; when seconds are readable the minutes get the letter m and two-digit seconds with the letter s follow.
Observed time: 11h54
